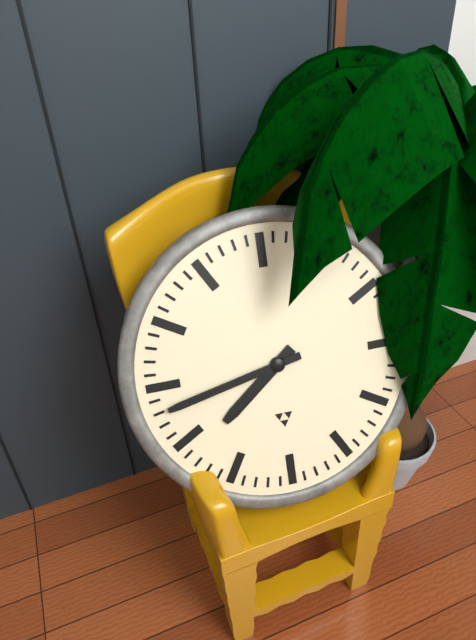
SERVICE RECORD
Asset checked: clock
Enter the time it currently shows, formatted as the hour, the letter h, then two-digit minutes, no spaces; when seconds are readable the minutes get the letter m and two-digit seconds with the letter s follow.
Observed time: 7h43
